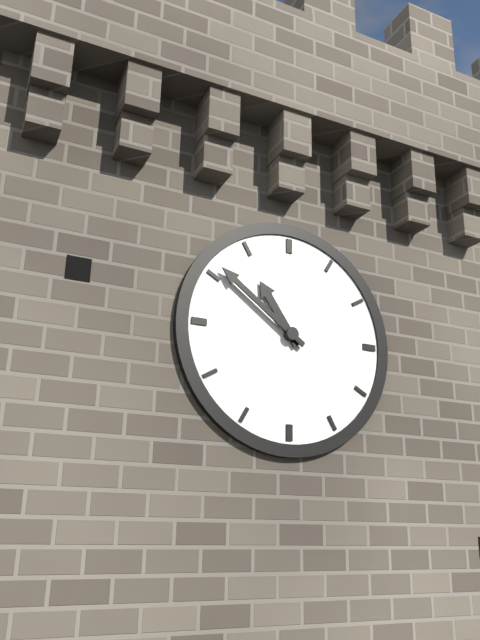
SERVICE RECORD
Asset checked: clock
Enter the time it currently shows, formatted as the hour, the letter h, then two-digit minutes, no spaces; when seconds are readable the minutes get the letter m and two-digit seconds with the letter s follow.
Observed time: 10h51
